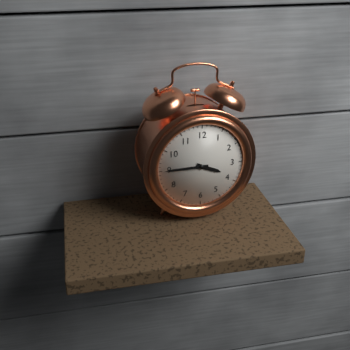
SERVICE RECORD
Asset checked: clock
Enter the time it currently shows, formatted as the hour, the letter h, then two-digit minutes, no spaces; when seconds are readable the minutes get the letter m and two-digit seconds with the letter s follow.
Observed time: 3h45
